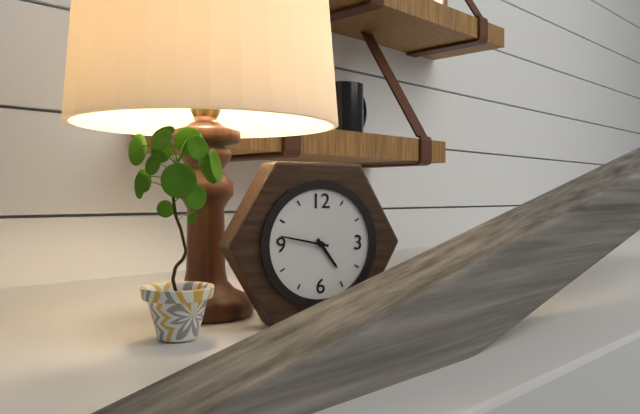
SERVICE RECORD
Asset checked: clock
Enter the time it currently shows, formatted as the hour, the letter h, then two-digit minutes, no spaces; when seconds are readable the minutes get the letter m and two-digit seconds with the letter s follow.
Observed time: 4h47
